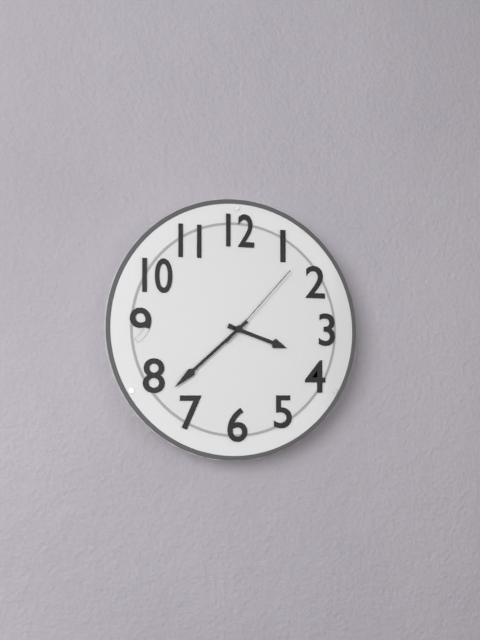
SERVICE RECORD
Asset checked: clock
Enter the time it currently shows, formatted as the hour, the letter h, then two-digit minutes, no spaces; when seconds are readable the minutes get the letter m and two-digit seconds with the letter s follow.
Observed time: 3h38m07s
